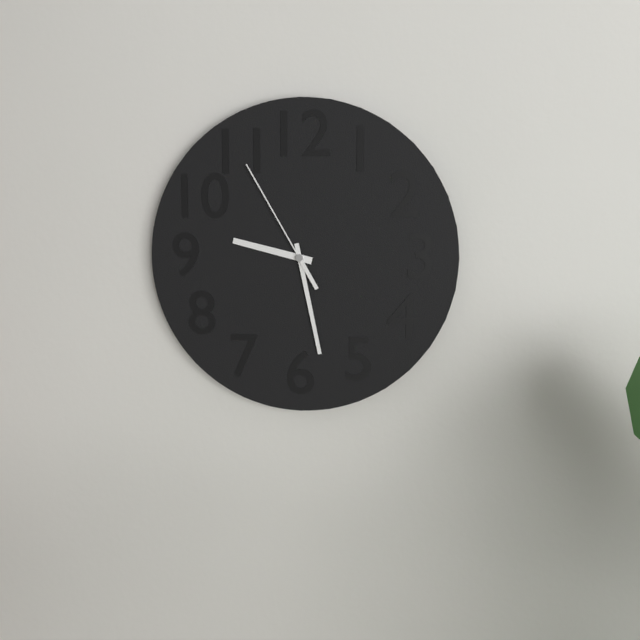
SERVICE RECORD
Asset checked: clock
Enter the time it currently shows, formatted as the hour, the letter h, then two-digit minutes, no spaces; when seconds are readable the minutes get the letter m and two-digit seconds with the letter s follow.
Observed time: 9h28m55s
